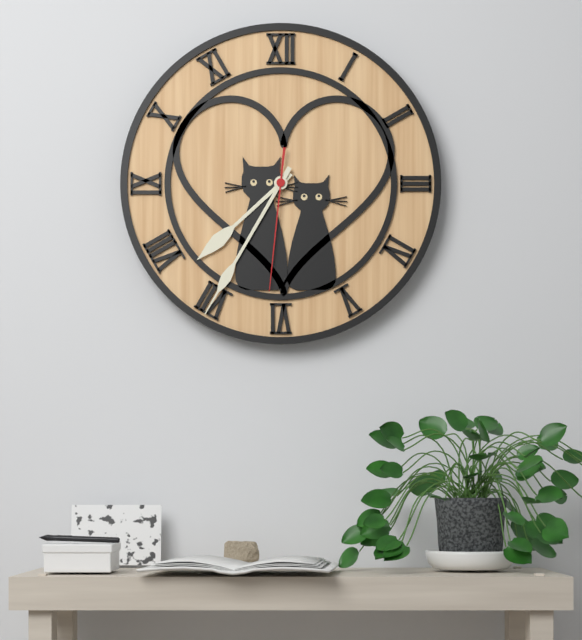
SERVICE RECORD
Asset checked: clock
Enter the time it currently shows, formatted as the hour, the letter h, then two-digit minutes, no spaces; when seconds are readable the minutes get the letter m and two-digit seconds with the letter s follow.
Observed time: 7h35m31s
